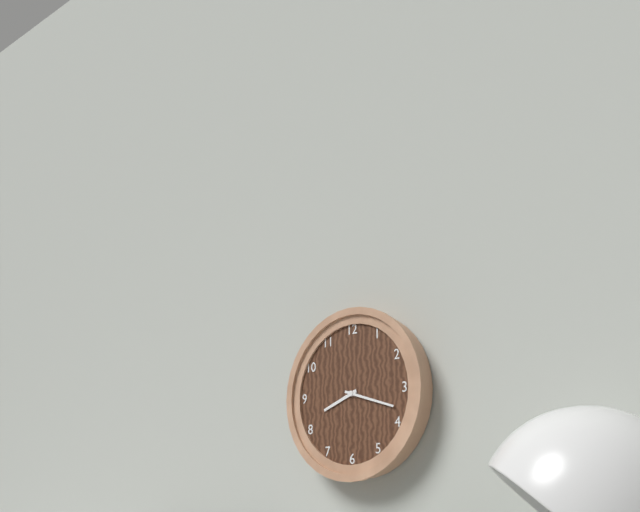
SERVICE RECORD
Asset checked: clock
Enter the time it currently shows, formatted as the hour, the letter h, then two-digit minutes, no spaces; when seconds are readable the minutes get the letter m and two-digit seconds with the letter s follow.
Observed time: 8h18
